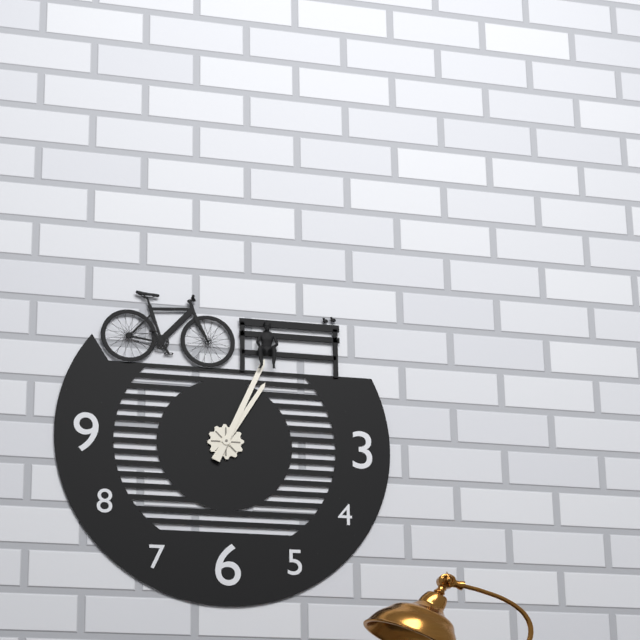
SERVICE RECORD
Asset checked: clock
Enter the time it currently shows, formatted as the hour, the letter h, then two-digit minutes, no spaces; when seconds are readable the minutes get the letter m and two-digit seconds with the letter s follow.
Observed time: 1h04
